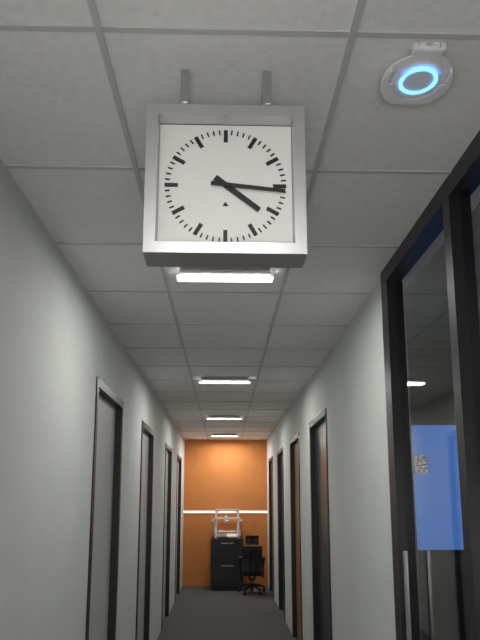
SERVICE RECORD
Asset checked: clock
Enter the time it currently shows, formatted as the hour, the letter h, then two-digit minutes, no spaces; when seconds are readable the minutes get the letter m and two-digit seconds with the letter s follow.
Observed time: 4h16
